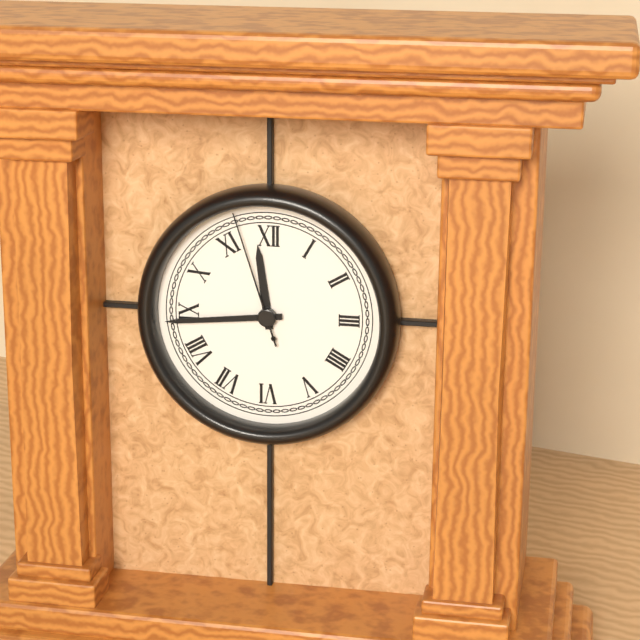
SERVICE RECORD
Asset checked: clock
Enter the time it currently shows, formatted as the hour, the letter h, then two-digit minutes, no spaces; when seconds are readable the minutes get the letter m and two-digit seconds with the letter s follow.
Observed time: 11h44m57s
